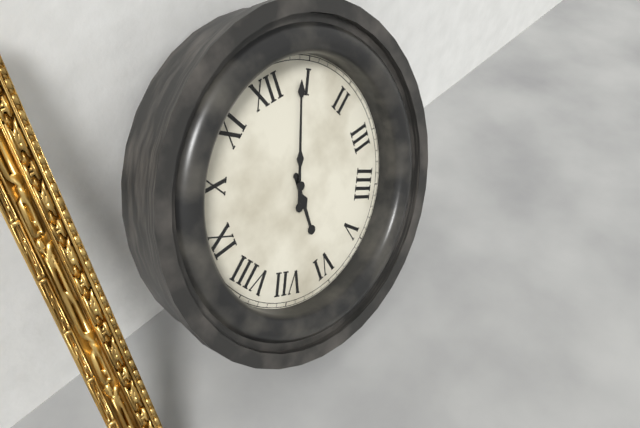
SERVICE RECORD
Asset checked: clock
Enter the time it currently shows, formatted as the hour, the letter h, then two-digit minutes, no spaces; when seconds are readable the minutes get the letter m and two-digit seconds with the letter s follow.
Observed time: 6h04
